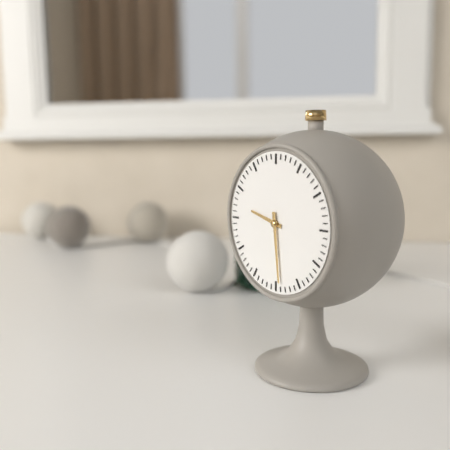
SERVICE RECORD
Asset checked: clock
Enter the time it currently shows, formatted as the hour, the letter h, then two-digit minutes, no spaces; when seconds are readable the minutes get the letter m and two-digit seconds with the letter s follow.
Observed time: 9h29
